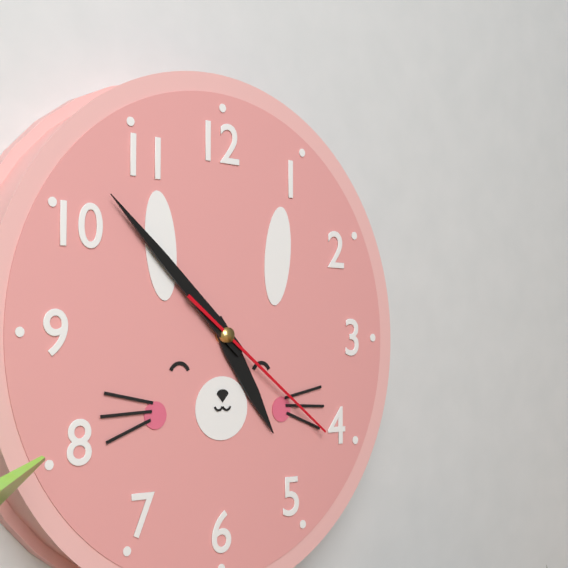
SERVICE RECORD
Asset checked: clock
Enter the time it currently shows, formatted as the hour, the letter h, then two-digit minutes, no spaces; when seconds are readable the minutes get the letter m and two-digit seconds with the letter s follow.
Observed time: 4h52m21s
